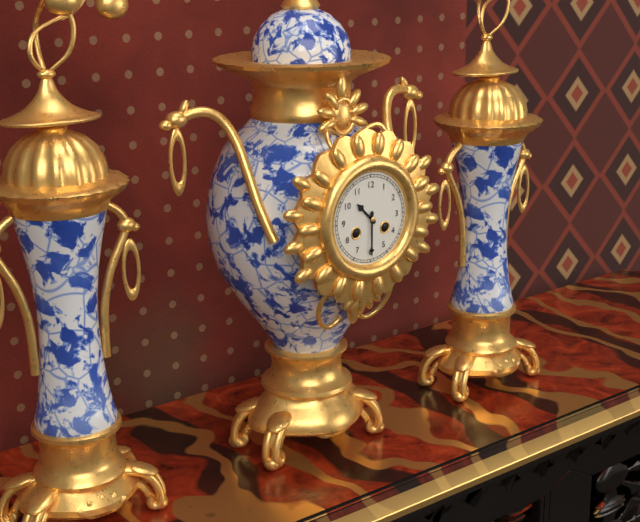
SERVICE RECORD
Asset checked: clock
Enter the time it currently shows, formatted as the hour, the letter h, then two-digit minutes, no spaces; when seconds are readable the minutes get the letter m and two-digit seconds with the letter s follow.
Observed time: 10h30
